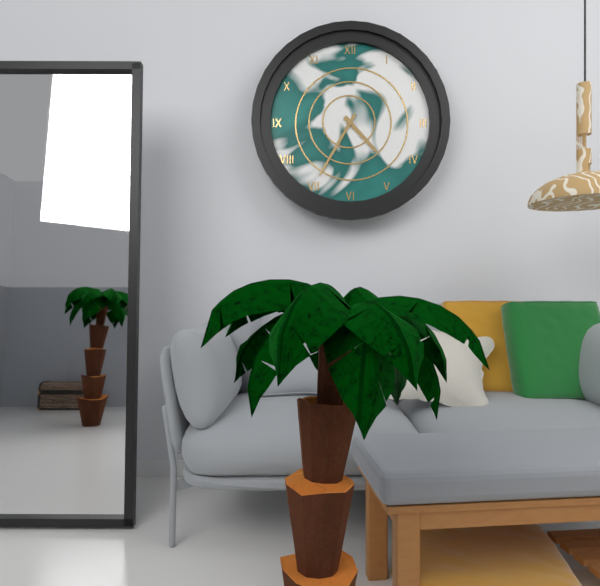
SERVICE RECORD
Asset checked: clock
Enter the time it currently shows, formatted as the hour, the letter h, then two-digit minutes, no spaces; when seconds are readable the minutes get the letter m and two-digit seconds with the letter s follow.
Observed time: 4h35
